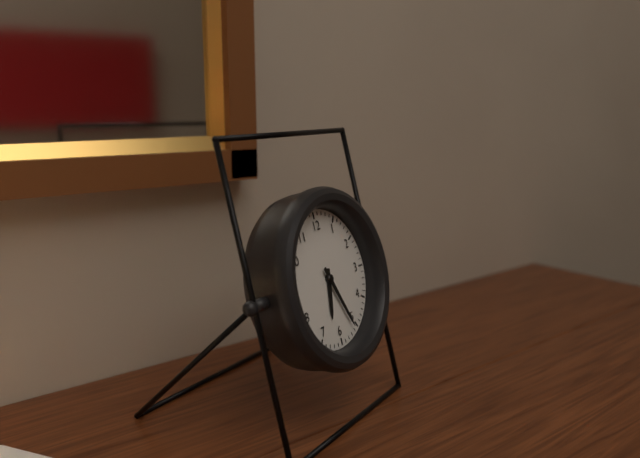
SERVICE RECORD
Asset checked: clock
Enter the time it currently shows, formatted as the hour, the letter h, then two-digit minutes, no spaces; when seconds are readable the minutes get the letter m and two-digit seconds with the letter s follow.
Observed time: 6h26
